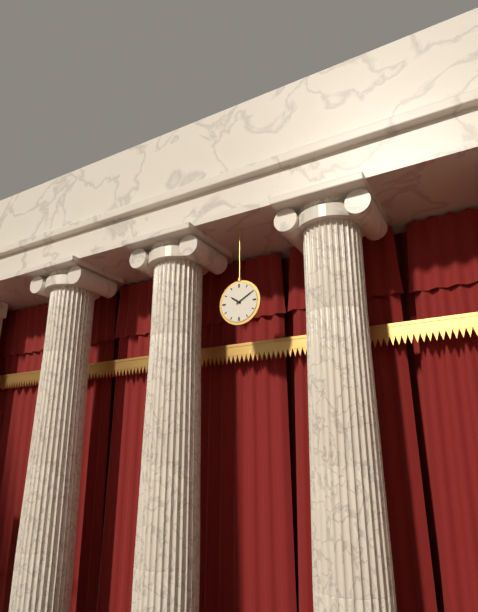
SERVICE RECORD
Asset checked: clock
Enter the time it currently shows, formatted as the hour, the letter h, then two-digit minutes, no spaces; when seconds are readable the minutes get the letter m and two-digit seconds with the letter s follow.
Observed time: 10h10
